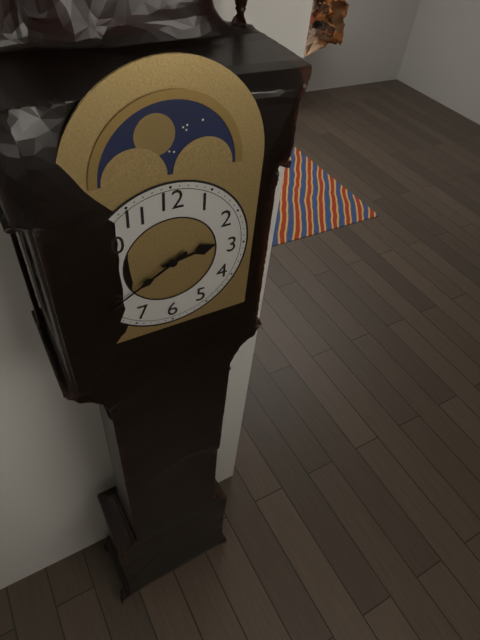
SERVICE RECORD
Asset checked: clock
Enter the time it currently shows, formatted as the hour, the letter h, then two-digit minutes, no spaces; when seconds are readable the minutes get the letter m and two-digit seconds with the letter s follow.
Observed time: 2h40
